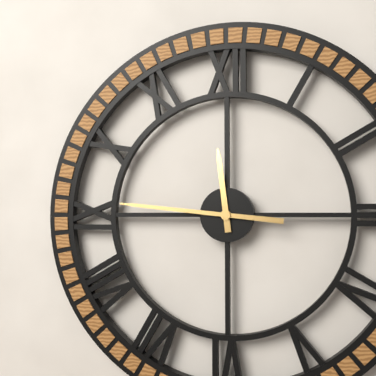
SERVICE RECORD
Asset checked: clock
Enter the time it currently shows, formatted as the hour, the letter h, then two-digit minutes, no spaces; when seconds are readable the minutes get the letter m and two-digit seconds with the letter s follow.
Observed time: 11h46
